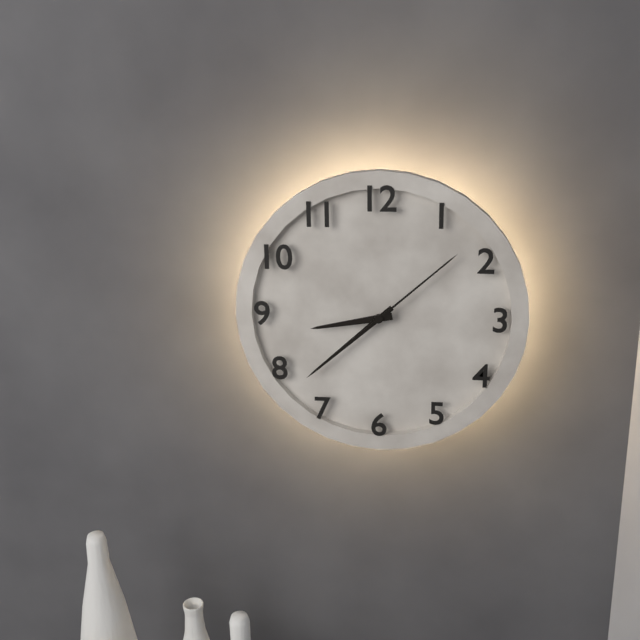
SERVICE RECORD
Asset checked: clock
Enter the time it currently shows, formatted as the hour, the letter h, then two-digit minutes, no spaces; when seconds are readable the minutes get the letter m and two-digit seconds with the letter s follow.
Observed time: 8h38m08s
